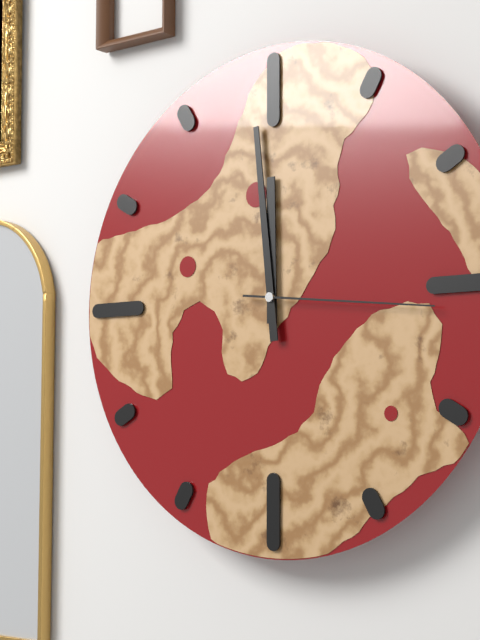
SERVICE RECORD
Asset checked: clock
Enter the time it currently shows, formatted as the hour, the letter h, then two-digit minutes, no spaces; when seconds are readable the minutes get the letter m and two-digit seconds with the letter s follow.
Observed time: 11h59m16s
